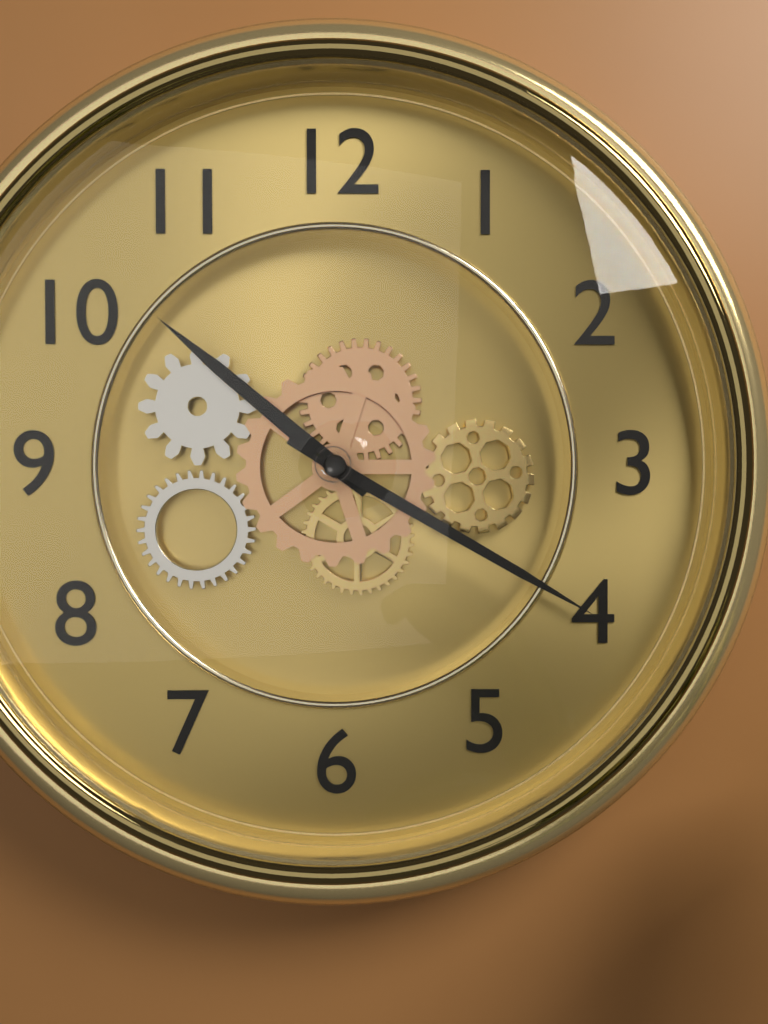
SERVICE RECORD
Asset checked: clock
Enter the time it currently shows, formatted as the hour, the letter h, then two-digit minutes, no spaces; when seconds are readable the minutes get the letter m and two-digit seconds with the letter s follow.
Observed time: 10h20
